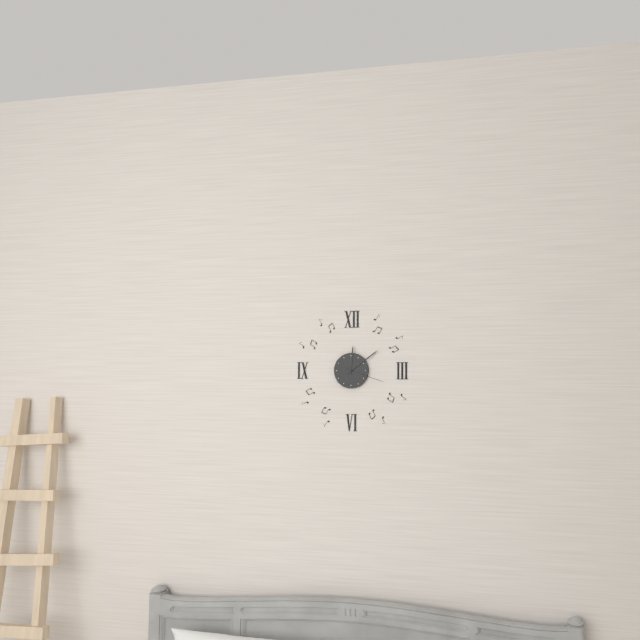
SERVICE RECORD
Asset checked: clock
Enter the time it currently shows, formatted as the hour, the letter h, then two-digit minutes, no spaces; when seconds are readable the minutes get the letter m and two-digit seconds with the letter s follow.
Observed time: 12h09
